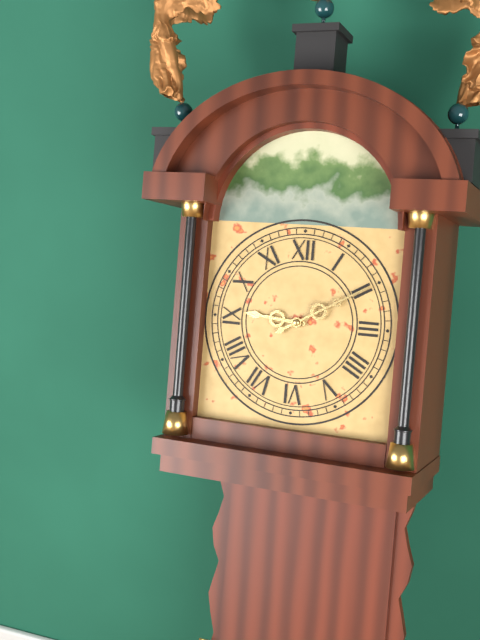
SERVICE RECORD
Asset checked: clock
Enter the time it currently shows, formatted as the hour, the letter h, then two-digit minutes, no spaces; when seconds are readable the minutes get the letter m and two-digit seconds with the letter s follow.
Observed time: 9h10
